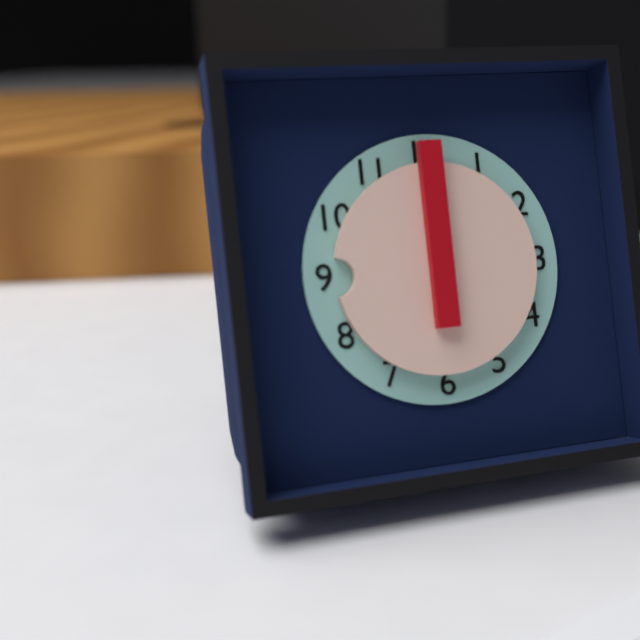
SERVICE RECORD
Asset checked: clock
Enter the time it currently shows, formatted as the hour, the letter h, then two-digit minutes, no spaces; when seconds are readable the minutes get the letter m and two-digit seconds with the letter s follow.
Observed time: 9h00
